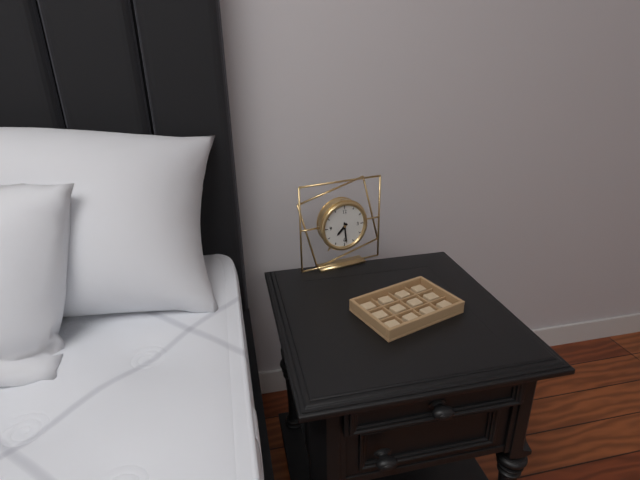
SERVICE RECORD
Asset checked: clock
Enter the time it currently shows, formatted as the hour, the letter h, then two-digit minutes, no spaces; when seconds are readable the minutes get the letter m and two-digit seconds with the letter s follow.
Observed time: 7h29
